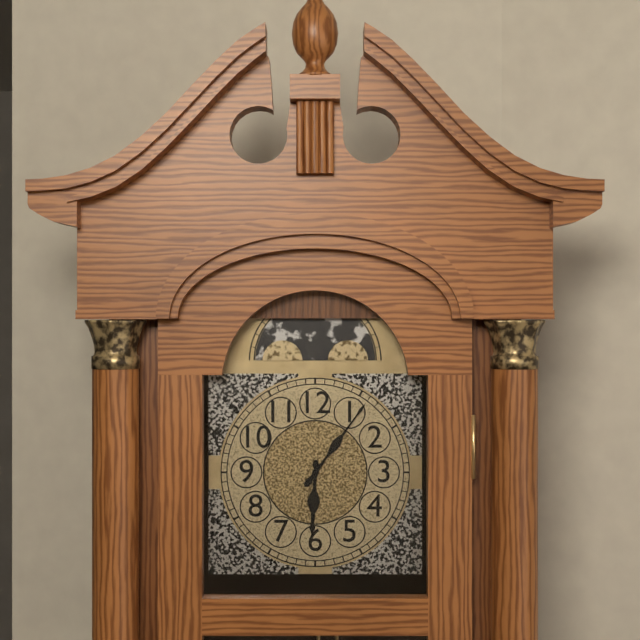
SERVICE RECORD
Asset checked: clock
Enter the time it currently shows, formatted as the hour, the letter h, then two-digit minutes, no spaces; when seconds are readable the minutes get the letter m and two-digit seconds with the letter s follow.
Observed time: 6h06
